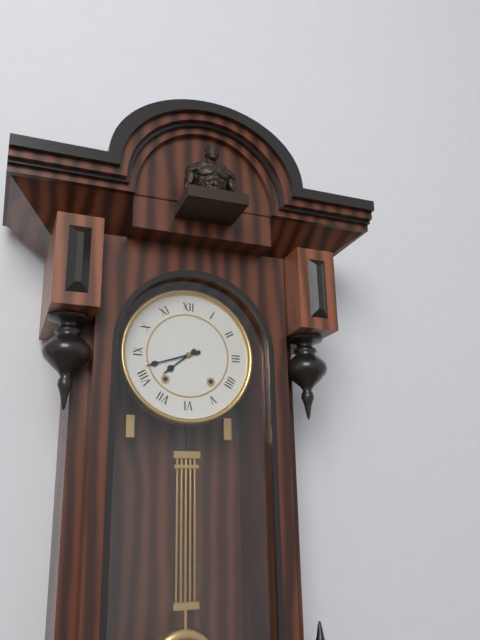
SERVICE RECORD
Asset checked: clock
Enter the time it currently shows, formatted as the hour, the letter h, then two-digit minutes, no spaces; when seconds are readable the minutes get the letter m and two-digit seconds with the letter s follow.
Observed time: 7h42
